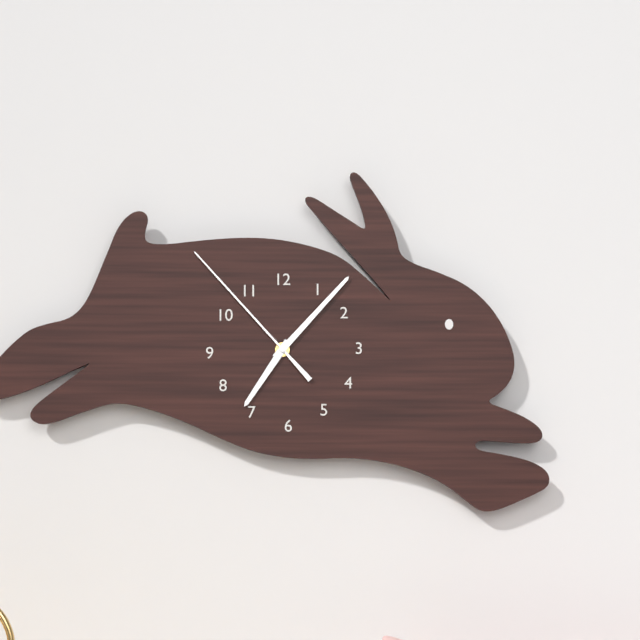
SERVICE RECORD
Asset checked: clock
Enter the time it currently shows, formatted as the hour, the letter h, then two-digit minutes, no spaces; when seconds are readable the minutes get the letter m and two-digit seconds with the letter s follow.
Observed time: 7h07m53s
